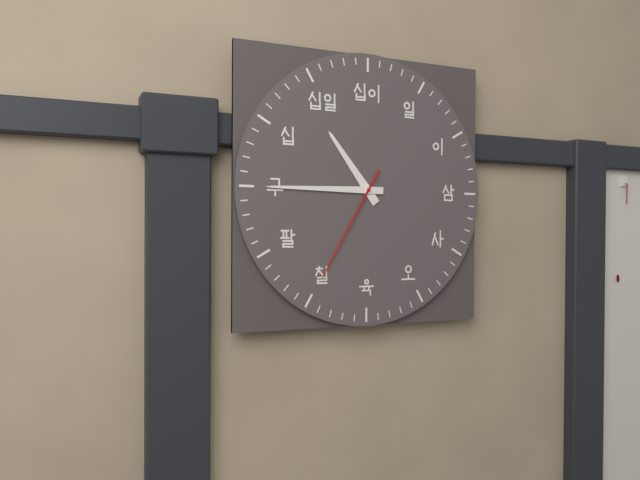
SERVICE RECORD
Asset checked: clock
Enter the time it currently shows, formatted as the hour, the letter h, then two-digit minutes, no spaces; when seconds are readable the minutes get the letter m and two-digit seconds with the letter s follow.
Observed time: 10h45m35s
